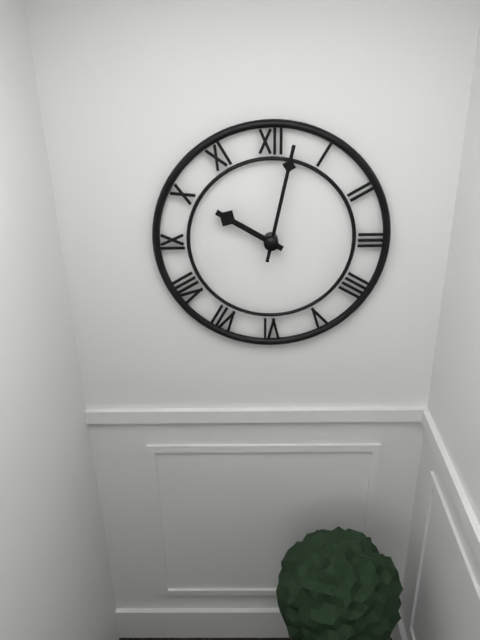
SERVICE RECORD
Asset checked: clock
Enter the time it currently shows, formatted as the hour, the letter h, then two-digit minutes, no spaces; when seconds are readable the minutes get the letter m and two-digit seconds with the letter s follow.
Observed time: 10h02
